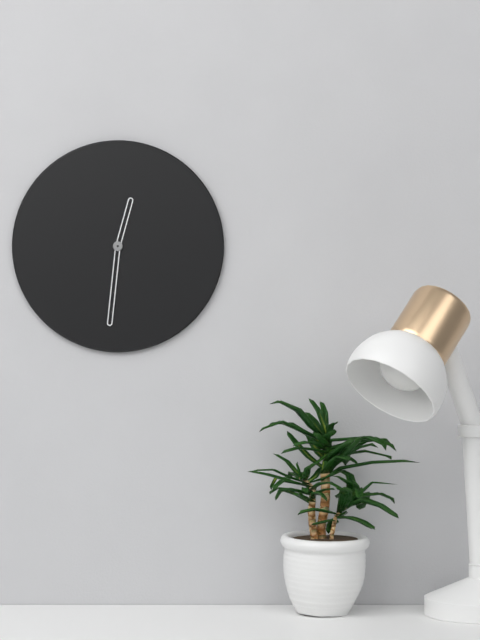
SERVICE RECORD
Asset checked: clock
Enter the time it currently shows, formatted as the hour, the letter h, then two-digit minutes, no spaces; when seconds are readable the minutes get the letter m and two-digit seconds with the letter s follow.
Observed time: 12h31
